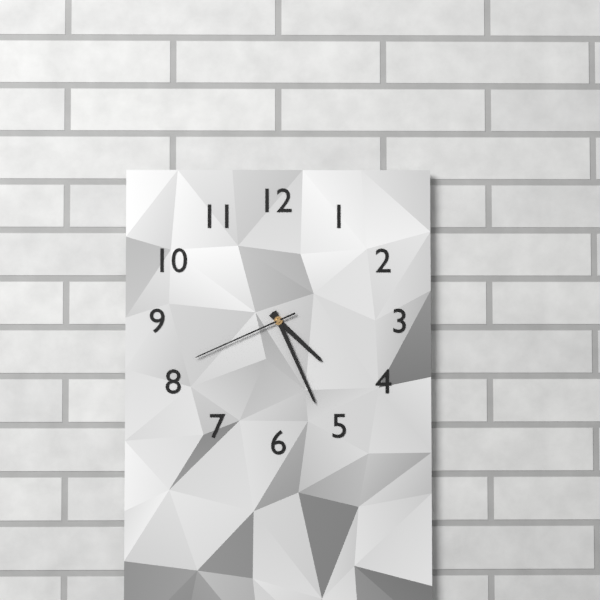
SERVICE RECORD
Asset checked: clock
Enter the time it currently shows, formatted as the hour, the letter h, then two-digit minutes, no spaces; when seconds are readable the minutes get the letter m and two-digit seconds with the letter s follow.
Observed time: 4h26m41s
